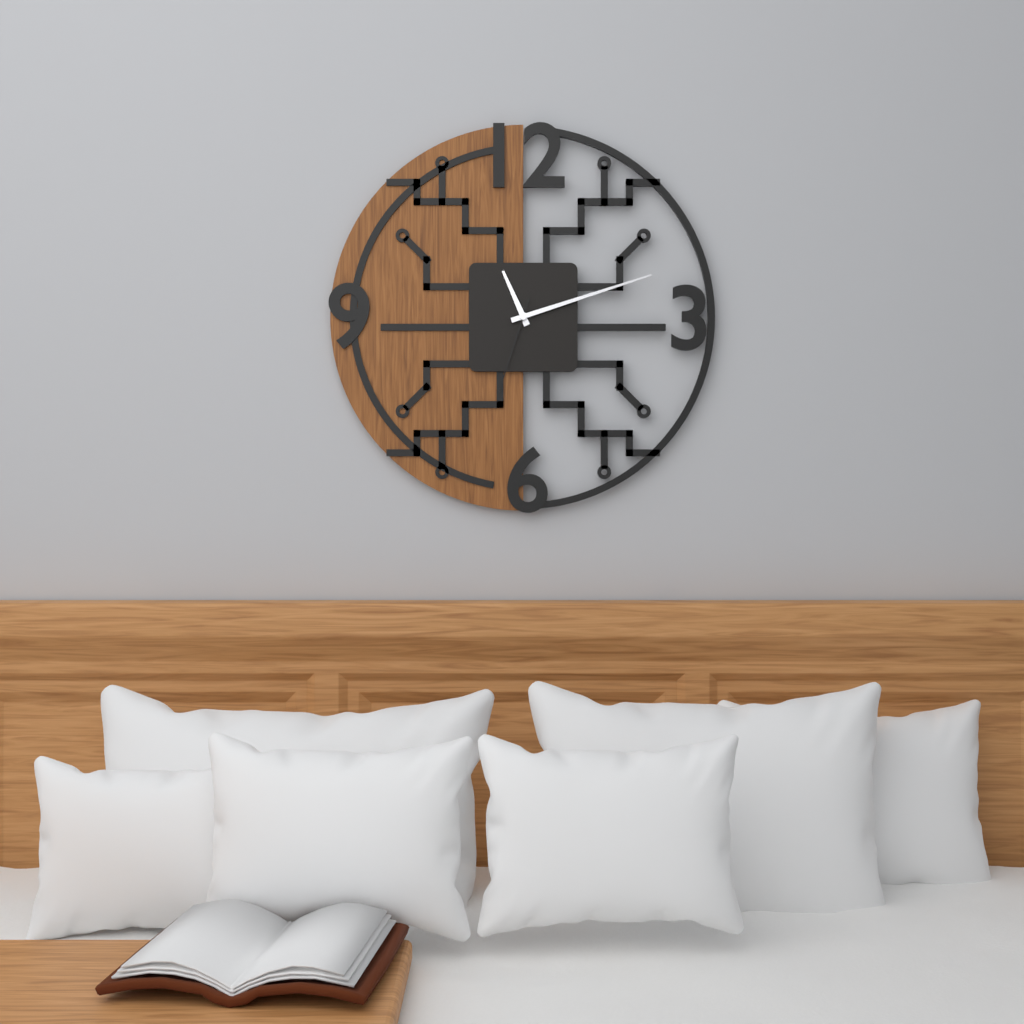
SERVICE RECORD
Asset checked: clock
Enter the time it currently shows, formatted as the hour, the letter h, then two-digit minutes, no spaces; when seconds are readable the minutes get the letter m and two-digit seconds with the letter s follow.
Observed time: 11h12m33s
